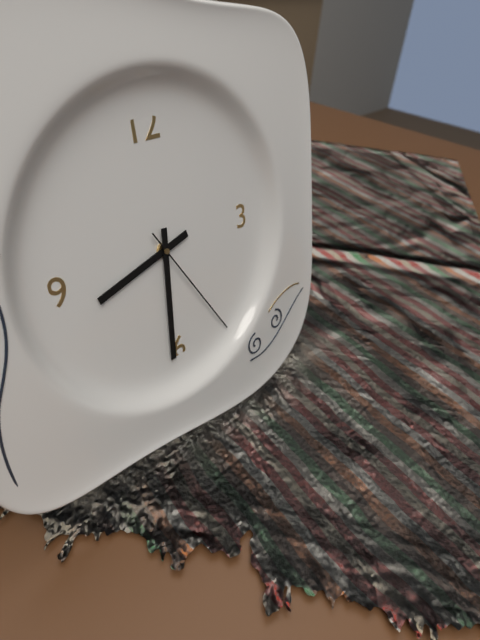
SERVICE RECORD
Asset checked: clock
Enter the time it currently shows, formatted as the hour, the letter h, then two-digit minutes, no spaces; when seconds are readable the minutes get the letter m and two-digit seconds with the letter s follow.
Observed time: 8h31m25s
